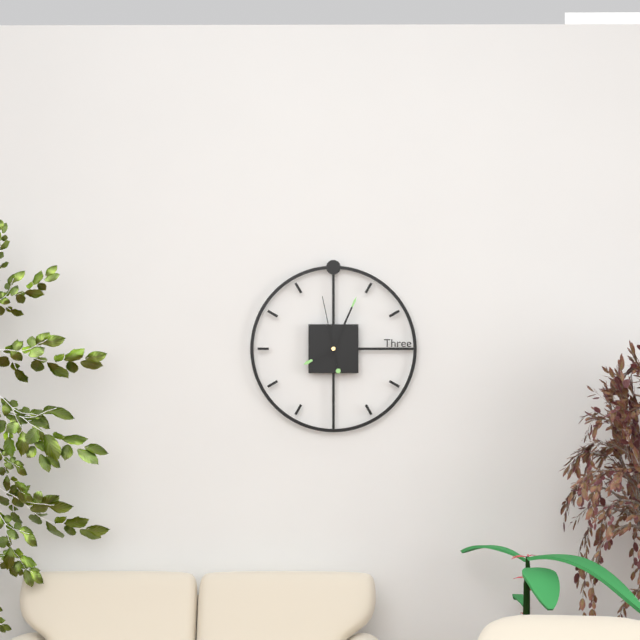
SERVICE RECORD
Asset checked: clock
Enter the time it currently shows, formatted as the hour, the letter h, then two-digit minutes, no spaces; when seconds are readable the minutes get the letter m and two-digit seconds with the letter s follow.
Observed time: 8h04m58s
